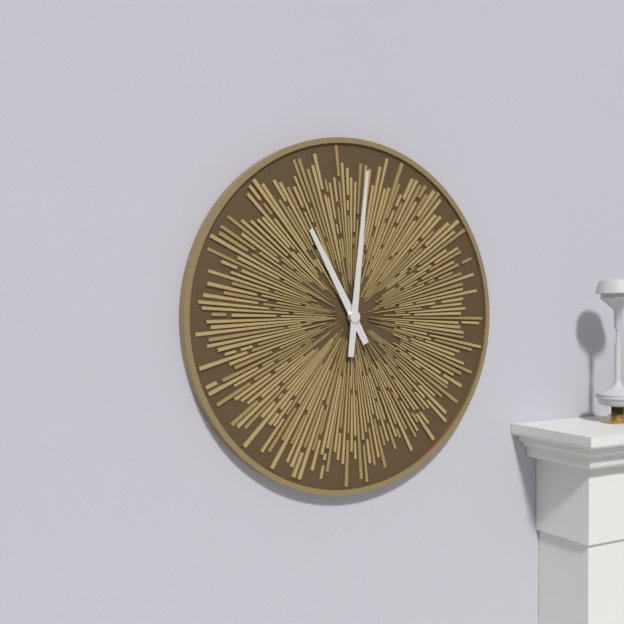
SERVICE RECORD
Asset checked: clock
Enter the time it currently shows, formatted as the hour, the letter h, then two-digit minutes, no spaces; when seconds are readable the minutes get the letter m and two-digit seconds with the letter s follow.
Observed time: 11h01
